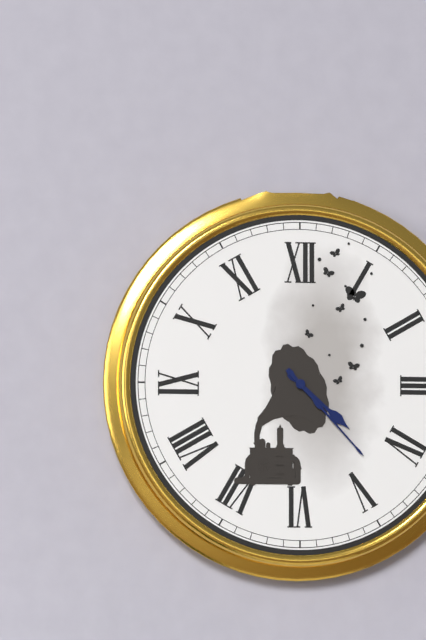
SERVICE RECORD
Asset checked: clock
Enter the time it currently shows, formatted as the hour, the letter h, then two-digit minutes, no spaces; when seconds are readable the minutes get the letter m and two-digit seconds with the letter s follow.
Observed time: 4h23
